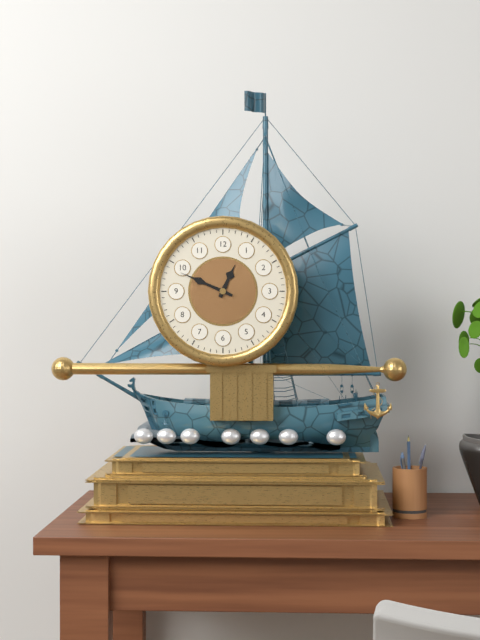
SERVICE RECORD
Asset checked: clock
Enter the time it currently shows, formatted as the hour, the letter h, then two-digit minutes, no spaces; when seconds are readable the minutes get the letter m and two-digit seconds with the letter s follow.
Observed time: 12h49
